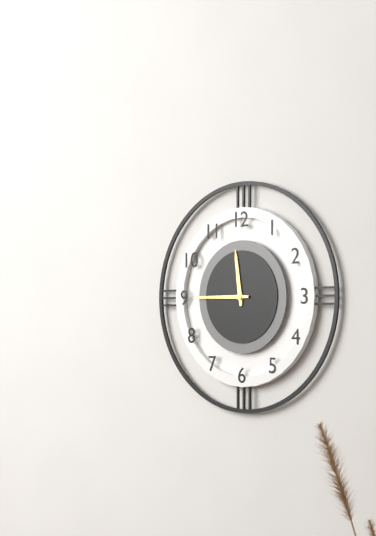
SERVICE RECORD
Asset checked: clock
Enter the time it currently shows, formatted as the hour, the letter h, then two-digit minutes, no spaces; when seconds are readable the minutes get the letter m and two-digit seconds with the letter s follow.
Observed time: 11h45
